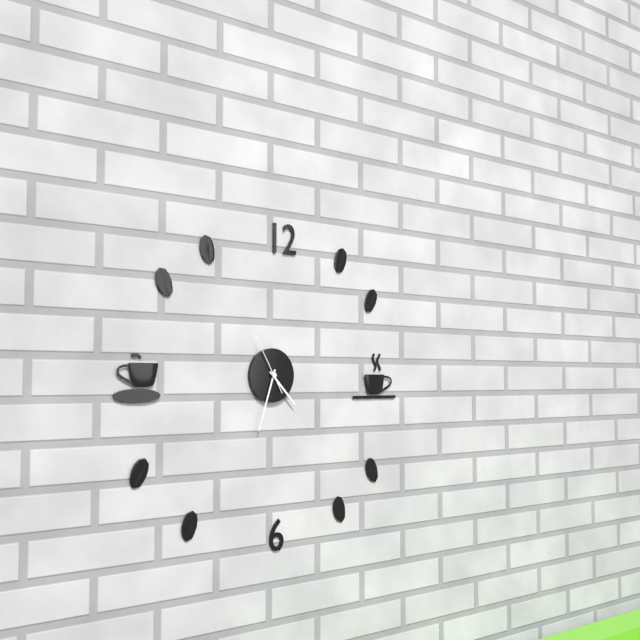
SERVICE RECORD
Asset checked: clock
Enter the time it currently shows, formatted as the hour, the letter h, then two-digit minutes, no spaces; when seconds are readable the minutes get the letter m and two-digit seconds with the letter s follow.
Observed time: 4h33m55s
